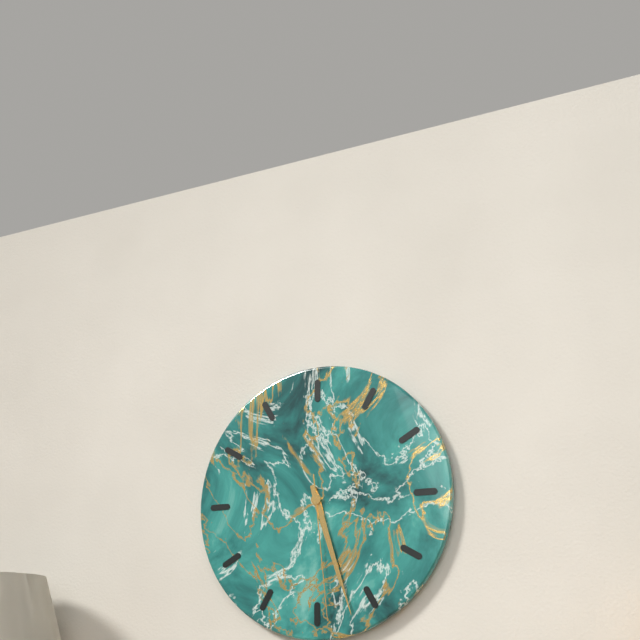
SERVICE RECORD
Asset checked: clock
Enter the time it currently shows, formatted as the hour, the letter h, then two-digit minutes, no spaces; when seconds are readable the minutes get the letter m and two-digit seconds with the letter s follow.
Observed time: 5h27m29s
